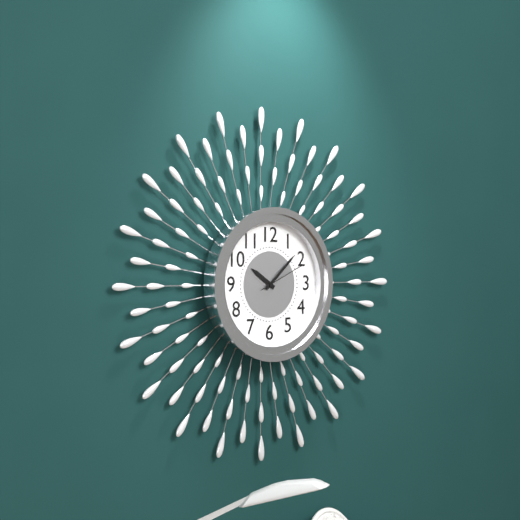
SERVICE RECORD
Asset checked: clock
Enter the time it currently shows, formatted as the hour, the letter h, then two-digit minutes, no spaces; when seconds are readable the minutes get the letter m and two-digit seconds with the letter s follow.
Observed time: 10h08
